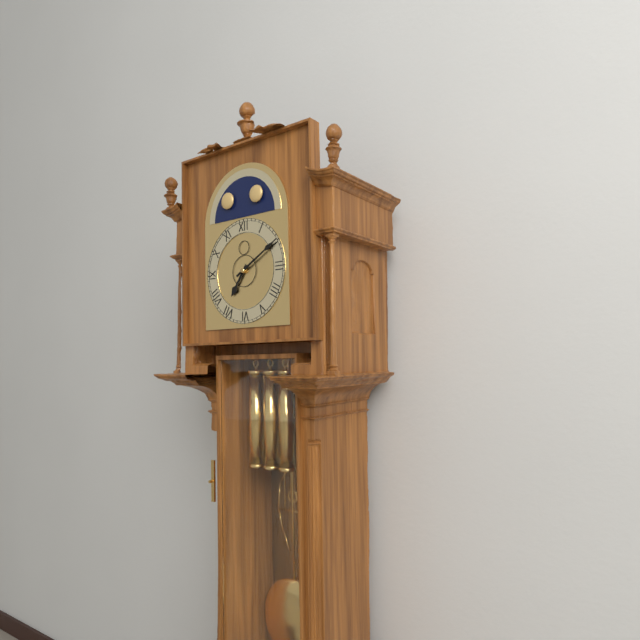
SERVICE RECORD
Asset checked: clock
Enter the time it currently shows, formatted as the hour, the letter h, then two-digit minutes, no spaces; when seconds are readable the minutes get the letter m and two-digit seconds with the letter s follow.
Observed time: 7h10
